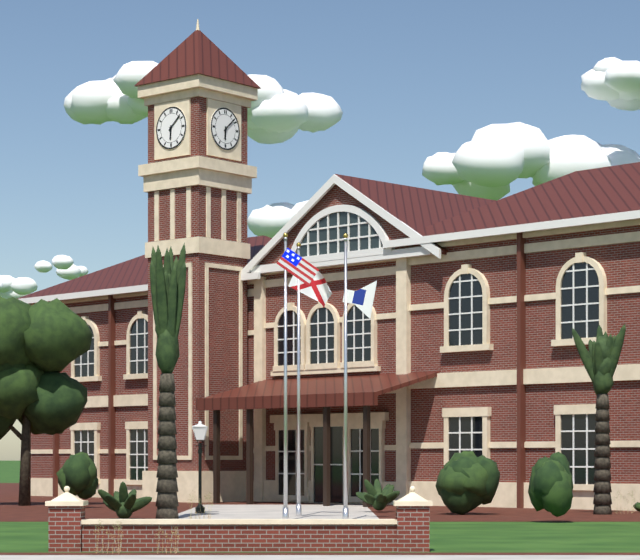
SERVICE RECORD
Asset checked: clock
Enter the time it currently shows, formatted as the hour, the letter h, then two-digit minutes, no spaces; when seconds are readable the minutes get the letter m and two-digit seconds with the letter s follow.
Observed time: 6h08
